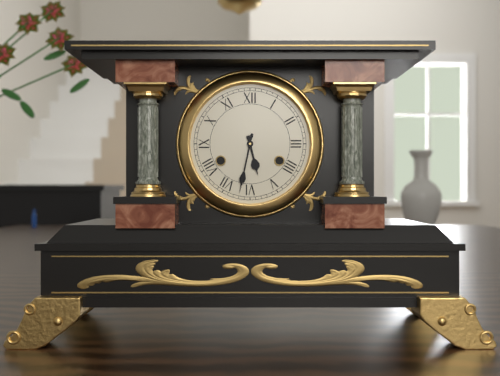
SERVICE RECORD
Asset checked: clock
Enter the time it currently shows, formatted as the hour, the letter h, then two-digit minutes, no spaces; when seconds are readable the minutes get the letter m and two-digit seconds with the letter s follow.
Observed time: 5h32
